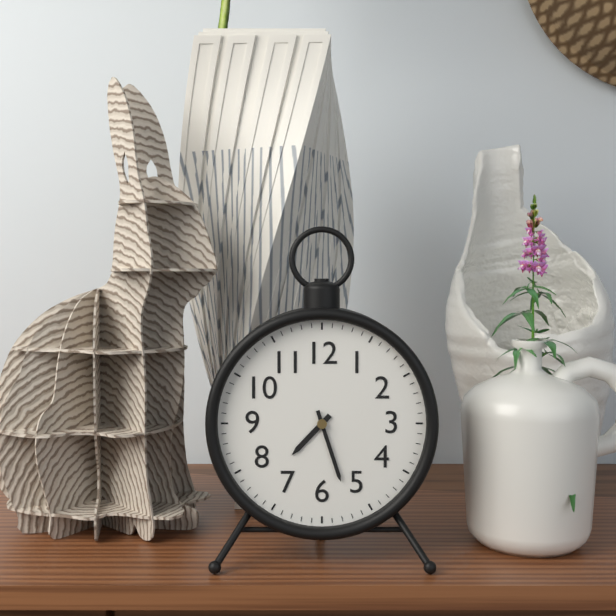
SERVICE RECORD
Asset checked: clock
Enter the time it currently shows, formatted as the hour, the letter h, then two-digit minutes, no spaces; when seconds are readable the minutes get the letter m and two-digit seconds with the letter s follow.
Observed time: 7h27
